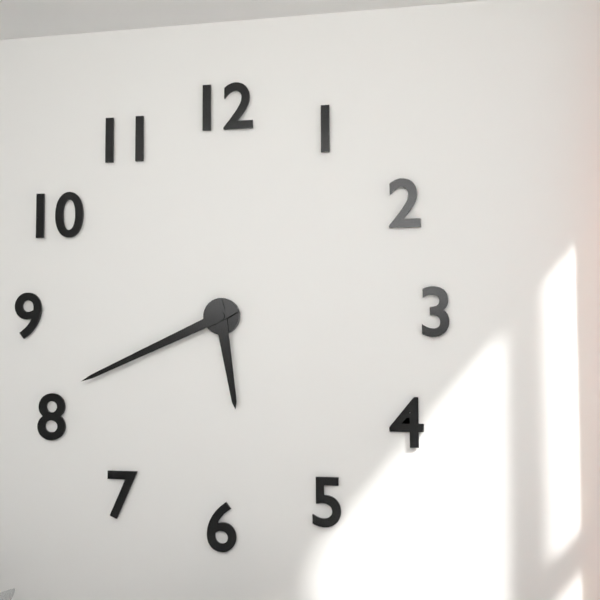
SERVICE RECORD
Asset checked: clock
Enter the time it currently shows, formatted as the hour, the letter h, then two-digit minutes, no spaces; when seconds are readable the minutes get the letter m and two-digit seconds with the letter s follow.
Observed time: 5h41
